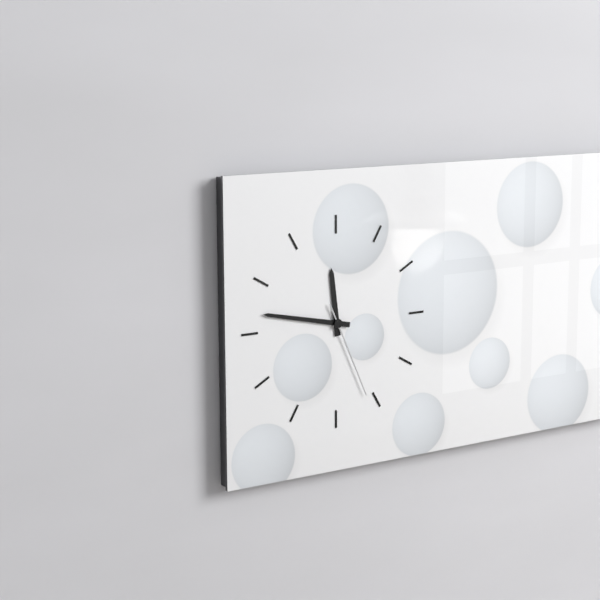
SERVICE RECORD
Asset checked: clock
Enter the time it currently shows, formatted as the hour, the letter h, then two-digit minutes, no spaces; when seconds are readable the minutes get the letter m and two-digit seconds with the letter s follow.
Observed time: 11h47m26s
